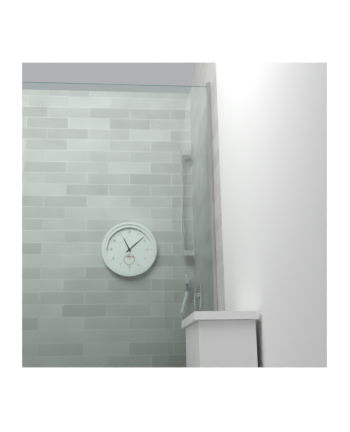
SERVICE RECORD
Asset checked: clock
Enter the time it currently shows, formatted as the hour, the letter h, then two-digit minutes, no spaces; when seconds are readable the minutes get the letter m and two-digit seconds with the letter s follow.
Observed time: 11h08
